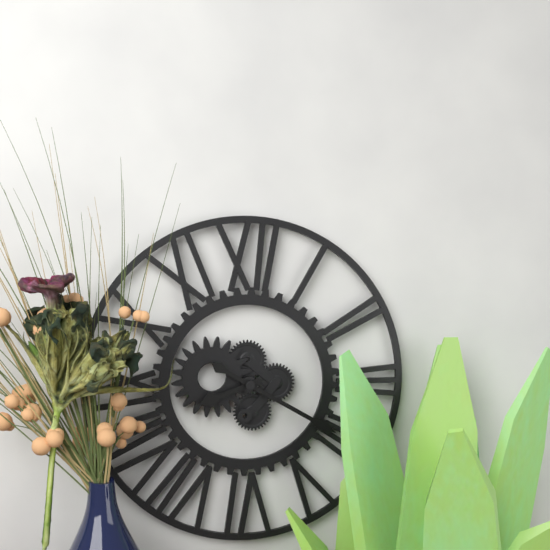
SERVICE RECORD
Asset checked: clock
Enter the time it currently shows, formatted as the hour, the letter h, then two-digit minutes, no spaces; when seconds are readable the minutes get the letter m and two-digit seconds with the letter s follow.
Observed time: 8h20
